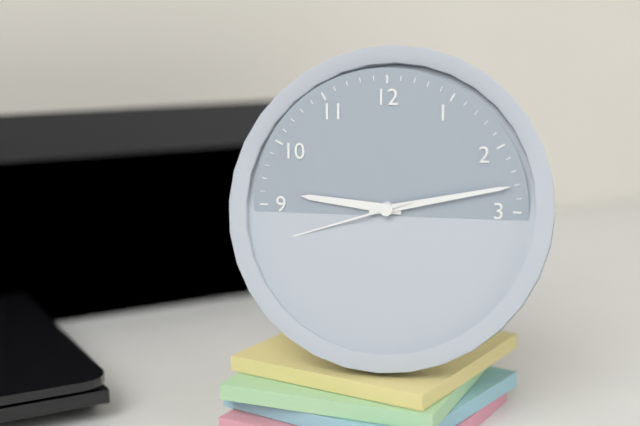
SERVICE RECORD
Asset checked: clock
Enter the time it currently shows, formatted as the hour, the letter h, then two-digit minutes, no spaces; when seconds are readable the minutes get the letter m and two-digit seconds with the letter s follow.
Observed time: 9h13m42s
